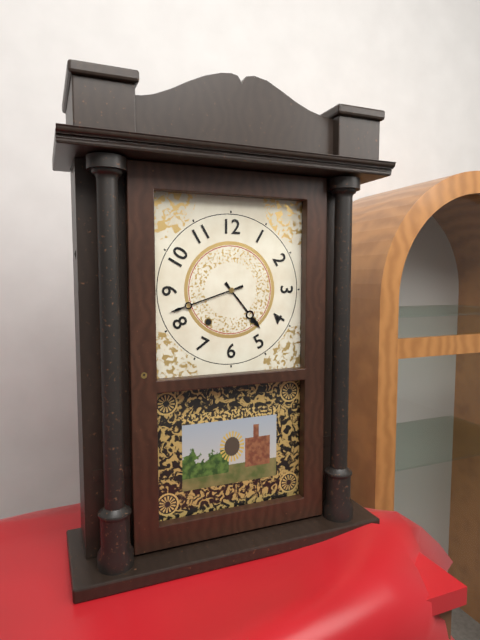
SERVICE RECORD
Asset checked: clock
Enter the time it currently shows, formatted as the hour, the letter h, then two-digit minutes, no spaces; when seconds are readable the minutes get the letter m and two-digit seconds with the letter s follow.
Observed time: 4h42
